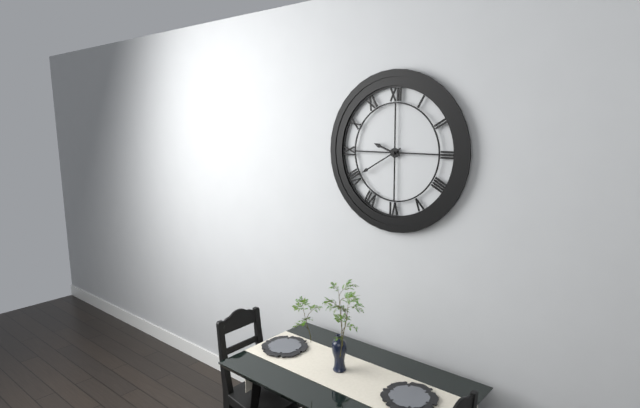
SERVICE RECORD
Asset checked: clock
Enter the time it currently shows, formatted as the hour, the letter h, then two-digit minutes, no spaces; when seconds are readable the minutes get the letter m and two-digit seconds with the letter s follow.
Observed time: 9h40
